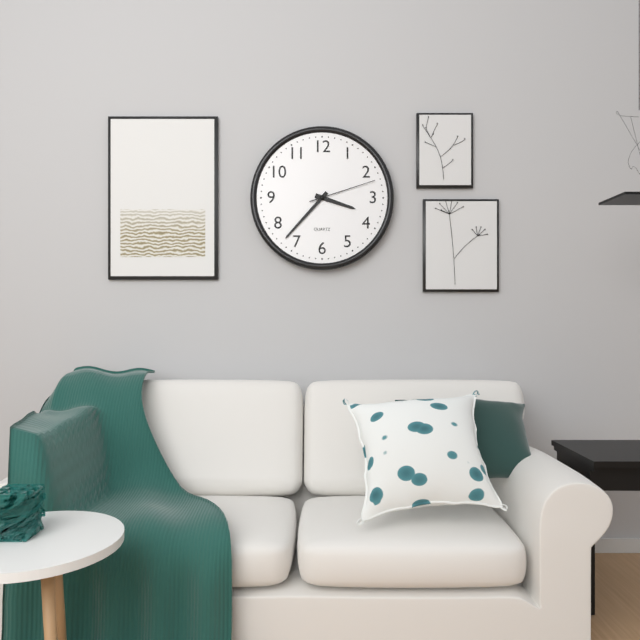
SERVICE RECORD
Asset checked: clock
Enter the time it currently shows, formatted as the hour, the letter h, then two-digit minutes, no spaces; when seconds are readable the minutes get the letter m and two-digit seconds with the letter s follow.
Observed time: 3h37m12s
